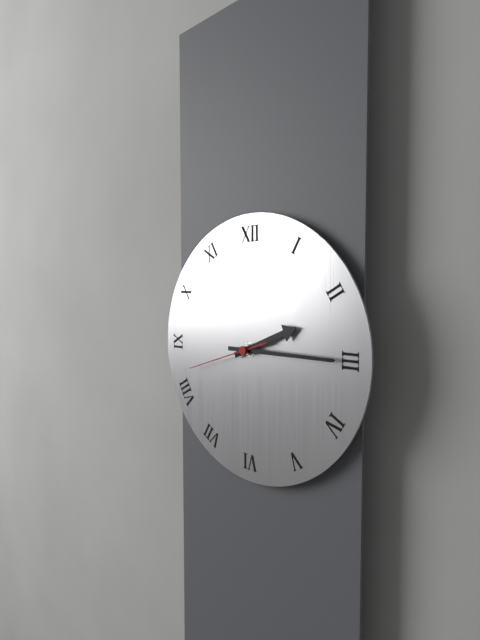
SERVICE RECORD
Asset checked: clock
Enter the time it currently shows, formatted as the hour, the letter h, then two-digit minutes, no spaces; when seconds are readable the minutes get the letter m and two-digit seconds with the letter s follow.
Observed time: 2h15m42s
